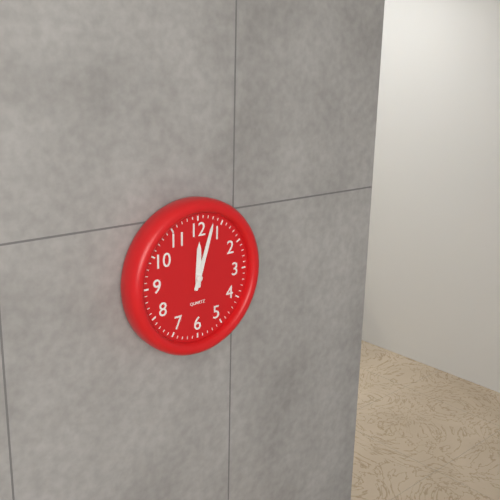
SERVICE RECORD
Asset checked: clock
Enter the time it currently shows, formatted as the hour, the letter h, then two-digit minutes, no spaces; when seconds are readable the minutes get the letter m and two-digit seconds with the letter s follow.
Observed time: 12h03
